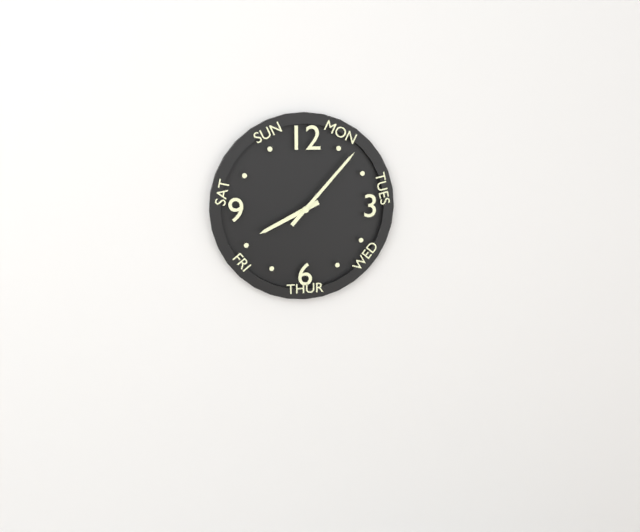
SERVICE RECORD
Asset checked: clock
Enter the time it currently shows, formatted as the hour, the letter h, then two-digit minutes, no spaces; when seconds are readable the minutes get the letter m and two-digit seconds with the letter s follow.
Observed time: 8h07
